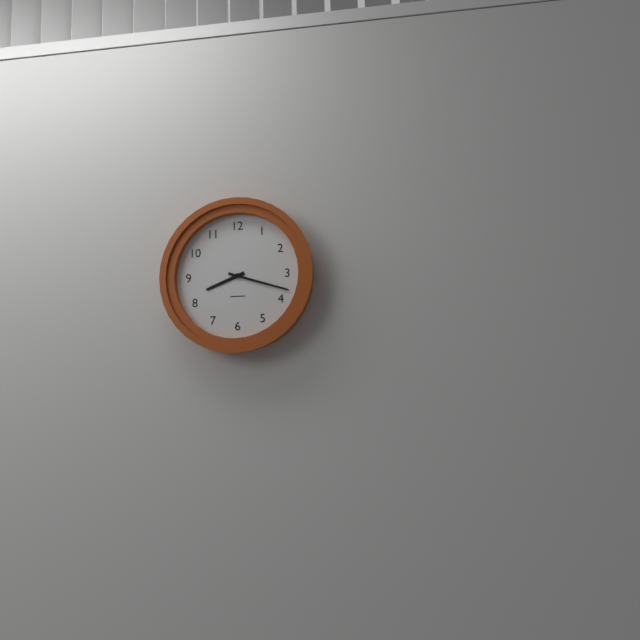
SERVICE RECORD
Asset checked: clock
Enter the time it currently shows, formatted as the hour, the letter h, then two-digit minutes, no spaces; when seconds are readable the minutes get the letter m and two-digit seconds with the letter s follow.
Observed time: 8h18
